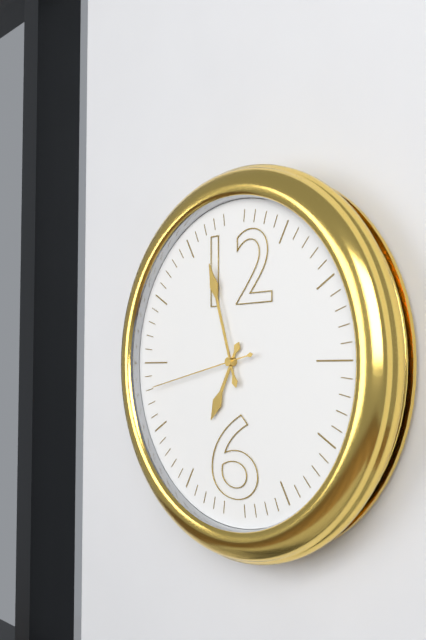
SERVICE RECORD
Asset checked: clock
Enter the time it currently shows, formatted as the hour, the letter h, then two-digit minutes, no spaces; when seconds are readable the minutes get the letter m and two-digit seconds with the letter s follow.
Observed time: 6h57m43s
